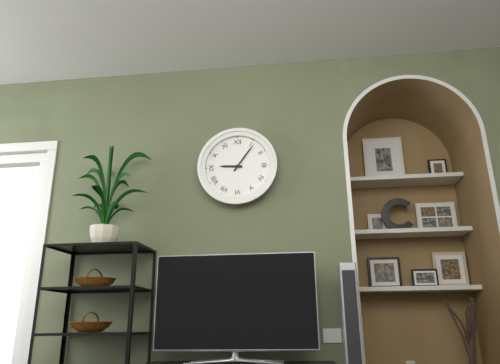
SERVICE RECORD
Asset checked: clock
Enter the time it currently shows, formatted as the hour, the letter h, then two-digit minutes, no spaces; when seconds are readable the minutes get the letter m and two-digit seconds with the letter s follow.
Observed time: 9h06
